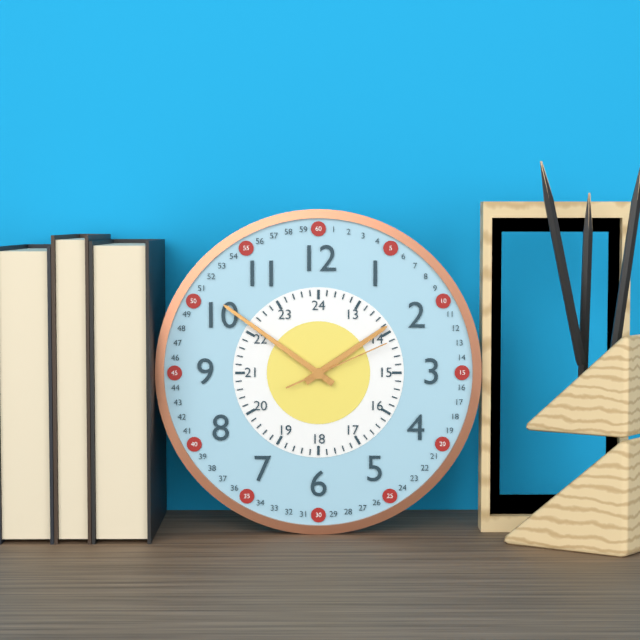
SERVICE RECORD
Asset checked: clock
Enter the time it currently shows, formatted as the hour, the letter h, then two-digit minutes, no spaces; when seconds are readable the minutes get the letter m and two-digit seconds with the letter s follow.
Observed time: 1h51m11s
